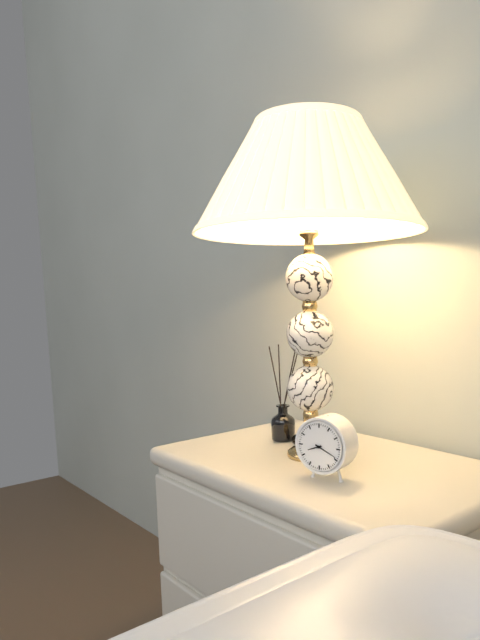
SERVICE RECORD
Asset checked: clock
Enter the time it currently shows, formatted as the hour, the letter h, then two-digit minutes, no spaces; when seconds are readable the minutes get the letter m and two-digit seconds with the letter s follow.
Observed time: 8h19
